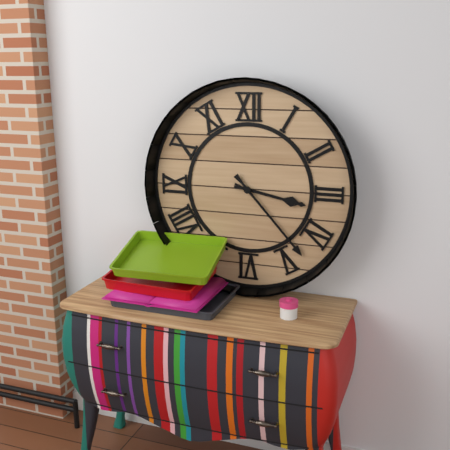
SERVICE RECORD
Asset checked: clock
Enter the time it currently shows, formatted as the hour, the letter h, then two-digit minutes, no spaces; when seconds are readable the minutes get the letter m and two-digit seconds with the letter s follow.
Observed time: 3h23
